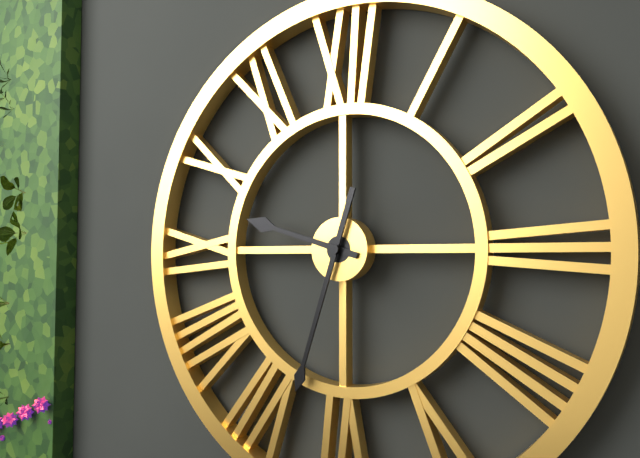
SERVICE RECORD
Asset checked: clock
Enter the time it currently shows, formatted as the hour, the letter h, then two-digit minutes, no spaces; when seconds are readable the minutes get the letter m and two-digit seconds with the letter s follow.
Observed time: 9h33
